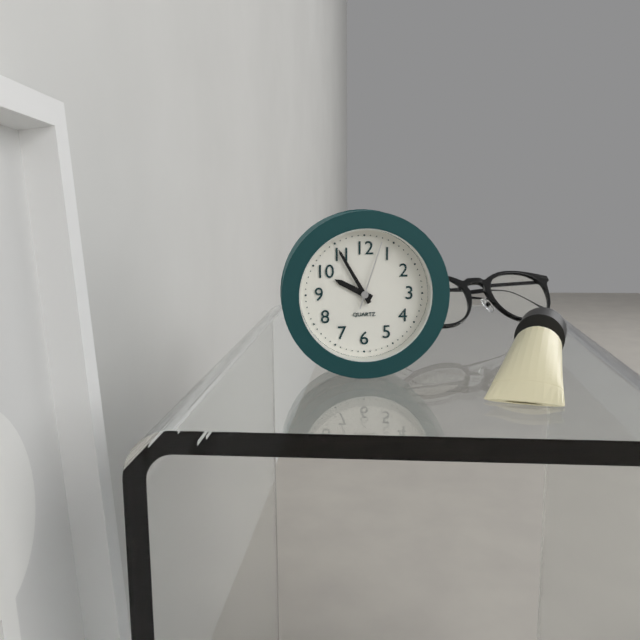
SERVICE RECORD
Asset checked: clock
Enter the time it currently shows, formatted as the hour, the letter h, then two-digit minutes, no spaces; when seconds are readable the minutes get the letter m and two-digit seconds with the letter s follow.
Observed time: 9h55m03s
